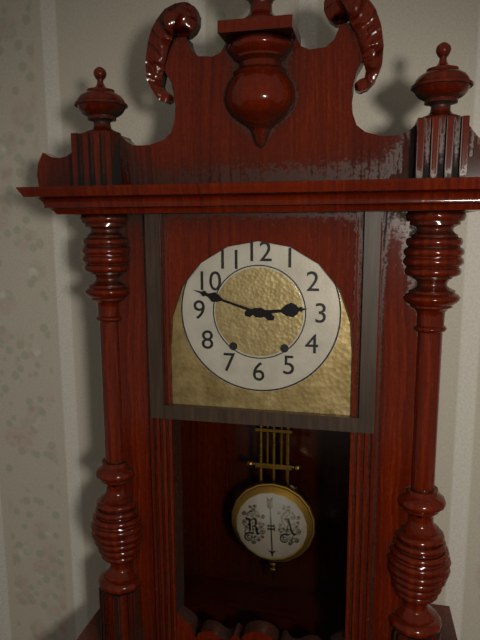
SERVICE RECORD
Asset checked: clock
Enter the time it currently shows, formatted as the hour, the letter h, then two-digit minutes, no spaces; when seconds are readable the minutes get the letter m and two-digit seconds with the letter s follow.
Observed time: 2h48
